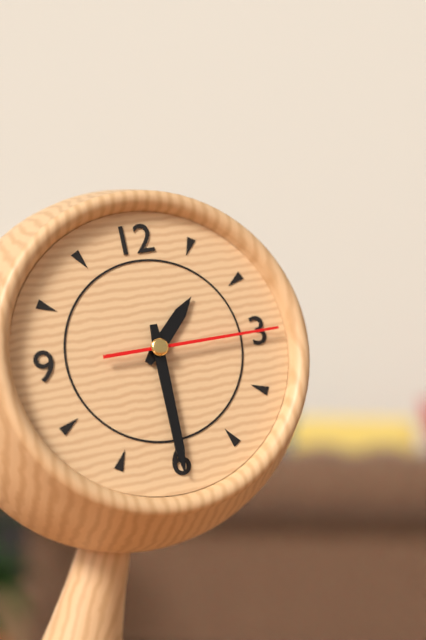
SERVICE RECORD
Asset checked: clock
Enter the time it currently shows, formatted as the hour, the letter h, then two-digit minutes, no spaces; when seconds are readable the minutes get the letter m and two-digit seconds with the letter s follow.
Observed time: 1h30m15s
